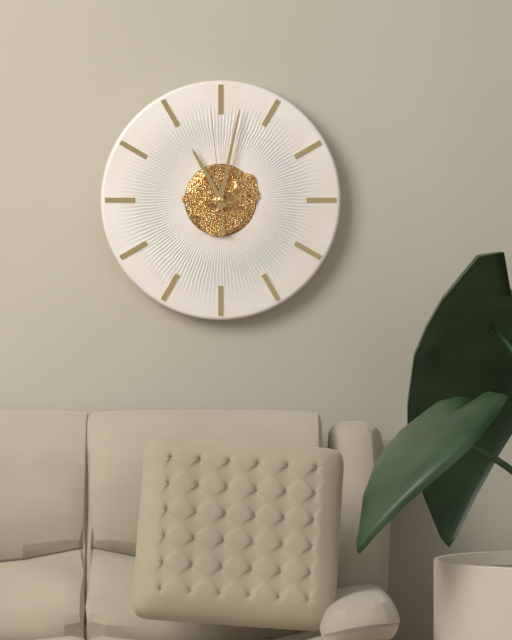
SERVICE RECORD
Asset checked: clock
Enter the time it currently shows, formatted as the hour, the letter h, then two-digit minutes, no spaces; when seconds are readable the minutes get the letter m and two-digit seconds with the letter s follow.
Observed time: 11h02m59s
